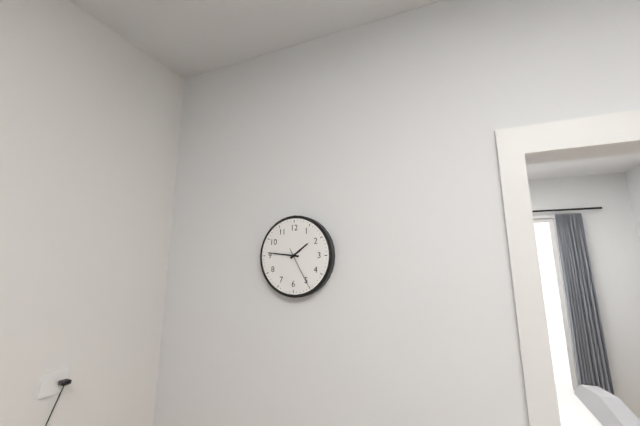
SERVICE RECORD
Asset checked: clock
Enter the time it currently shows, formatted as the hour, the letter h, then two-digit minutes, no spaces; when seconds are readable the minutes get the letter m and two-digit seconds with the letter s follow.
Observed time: 1h46
